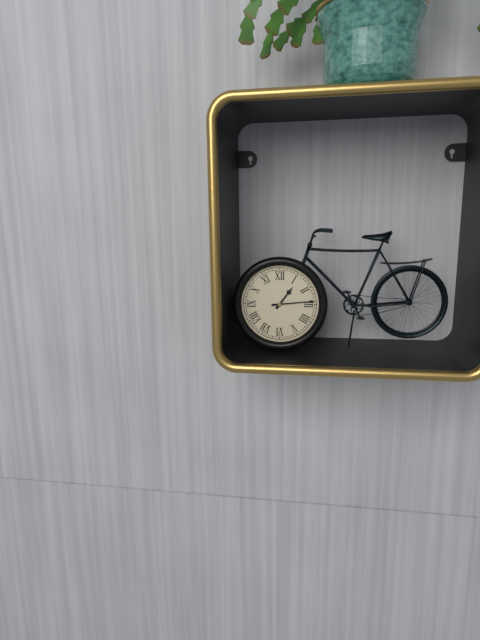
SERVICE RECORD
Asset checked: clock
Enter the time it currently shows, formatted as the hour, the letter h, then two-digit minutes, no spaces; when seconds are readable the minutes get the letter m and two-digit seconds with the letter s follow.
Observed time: 1h14
